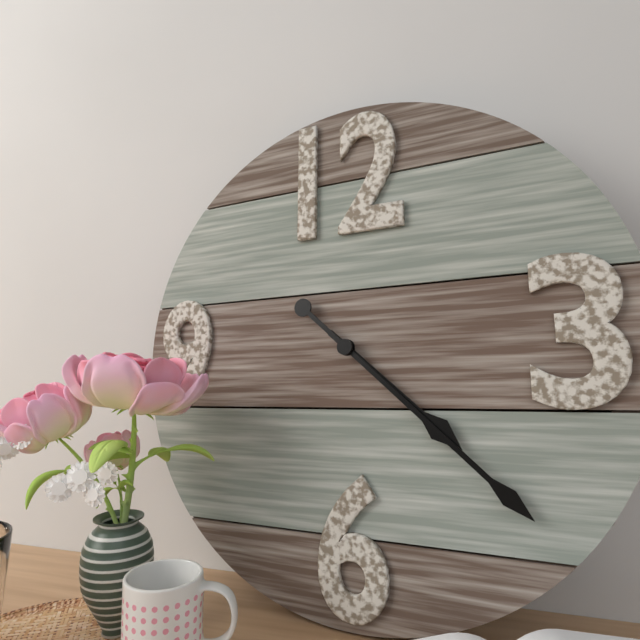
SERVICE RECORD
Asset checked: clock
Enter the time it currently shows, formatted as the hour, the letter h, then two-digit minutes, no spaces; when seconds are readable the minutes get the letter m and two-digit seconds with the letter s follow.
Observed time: 4h22
